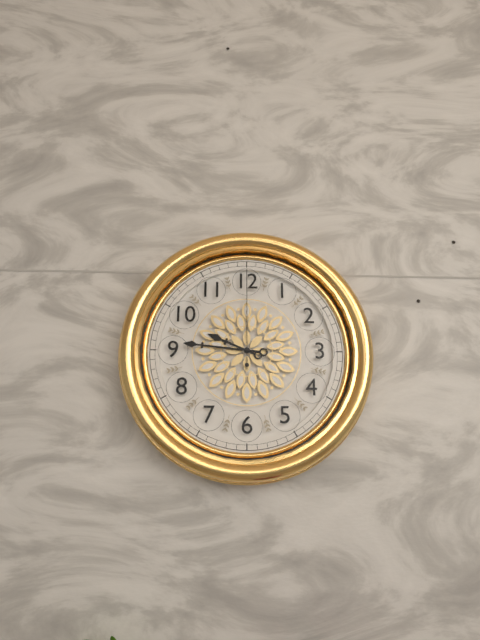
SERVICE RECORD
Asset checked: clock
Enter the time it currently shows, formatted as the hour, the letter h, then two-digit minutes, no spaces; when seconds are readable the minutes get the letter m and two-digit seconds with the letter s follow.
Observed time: 9h46m00s
